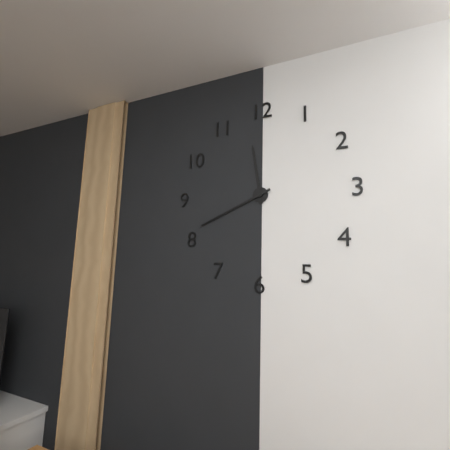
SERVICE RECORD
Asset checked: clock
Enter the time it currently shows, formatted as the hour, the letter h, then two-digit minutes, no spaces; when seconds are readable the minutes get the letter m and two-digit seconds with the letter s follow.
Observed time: 11h41
